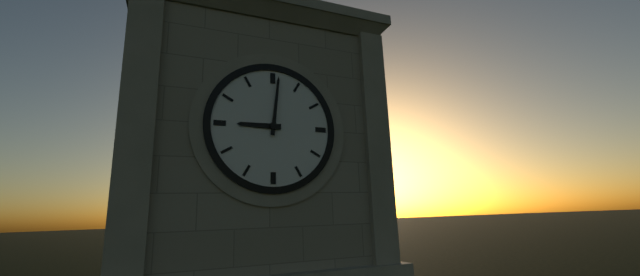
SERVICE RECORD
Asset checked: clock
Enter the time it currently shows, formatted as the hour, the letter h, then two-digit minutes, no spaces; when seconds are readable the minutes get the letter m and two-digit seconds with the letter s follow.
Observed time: 9h01
